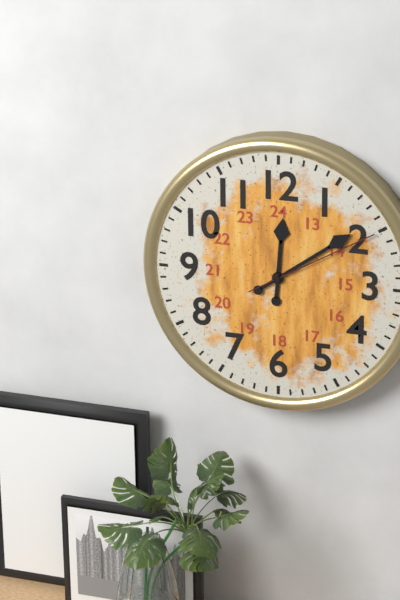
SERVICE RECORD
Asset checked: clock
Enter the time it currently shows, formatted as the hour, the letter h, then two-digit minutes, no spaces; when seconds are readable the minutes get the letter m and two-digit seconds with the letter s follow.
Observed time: 12h09m10s
